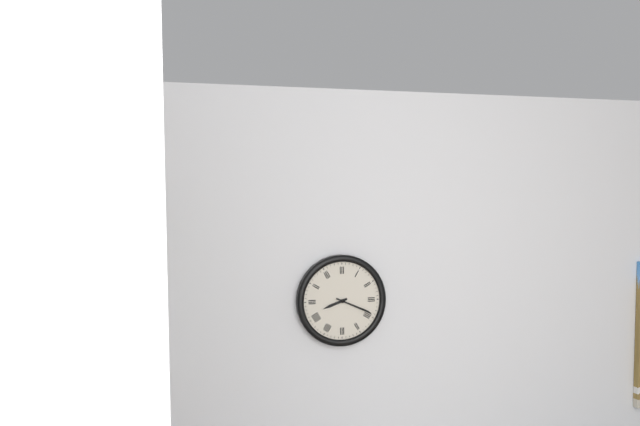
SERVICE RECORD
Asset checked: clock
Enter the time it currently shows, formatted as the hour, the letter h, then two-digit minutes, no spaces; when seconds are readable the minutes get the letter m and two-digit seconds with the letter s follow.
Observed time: 8h19
